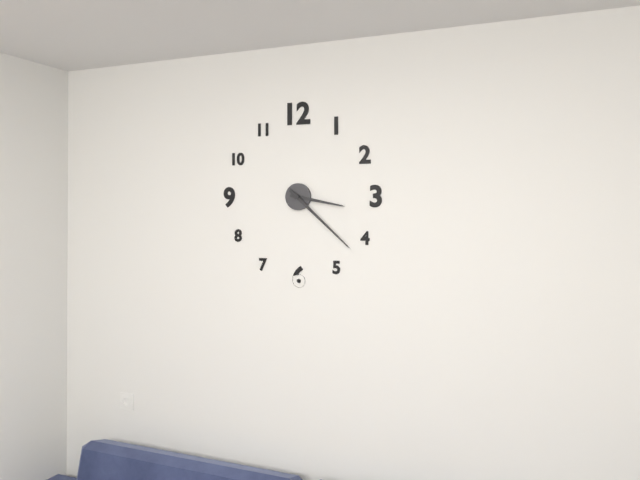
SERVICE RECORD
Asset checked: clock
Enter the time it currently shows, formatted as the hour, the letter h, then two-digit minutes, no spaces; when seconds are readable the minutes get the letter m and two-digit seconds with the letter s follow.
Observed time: 3h22
